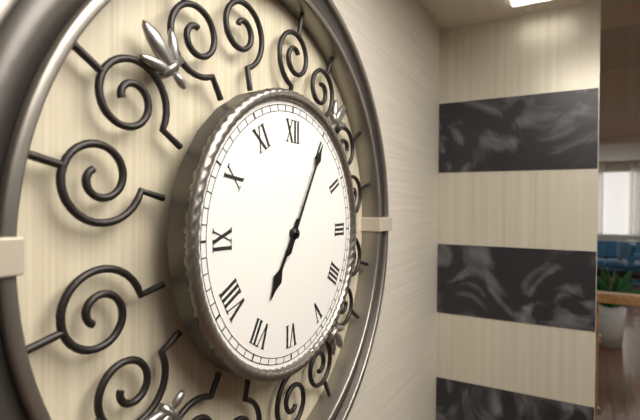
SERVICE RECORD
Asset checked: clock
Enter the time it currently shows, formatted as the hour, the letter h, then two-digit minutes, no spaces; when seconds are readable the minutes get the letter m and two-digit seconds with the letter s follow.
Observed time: 7h05
